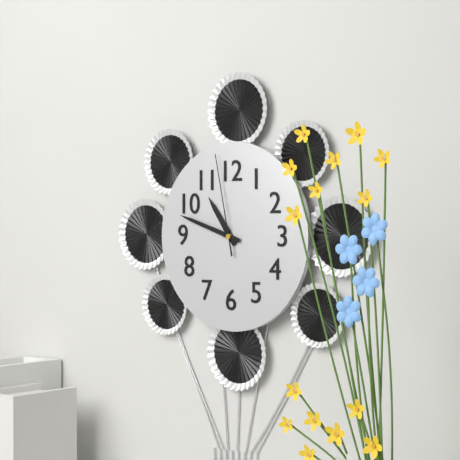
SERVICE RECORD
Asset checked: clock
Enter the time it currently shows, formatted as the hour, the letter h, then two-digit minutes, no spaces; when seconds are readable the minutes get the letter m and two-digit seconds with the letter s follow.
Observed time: 10h48m58s
